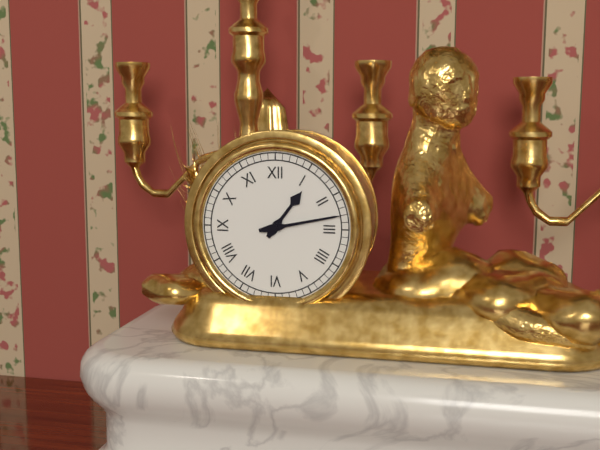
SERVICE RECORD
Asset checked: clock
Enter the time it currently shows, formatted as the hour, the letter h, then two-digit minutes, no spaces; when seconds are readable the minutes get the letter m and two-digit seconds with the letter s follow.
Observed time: 1h13
